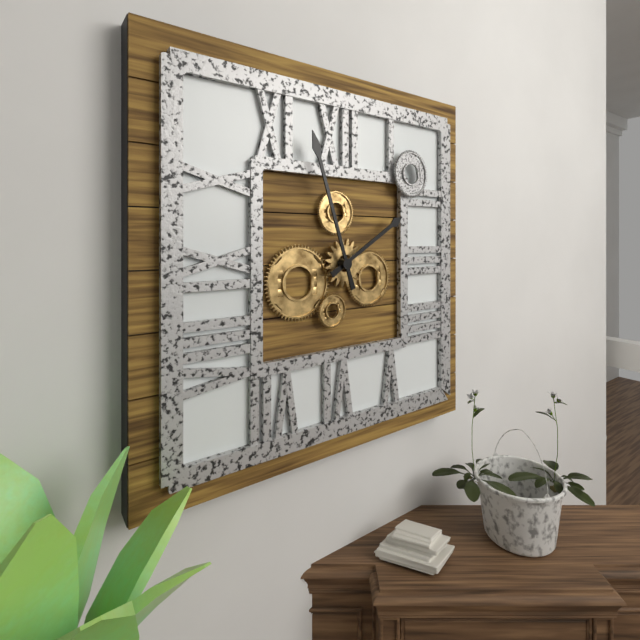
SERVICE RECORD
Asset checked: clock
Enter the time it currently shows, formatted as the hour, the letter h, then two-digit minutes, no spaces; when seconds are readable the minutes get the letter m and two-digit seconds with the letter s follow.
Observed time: 1h57
